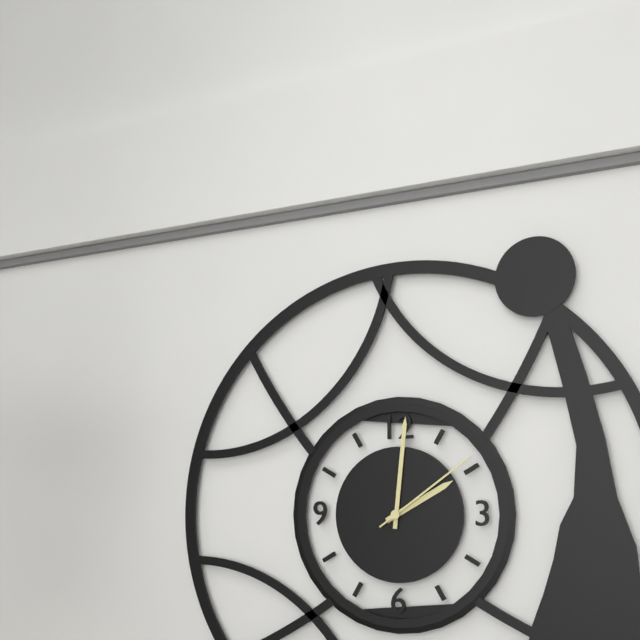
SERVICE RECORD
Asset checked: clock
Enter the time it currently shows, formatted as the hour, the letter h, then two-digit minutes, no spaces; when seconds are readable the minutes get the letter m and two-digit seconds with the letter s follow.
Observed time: 2h01m09s
